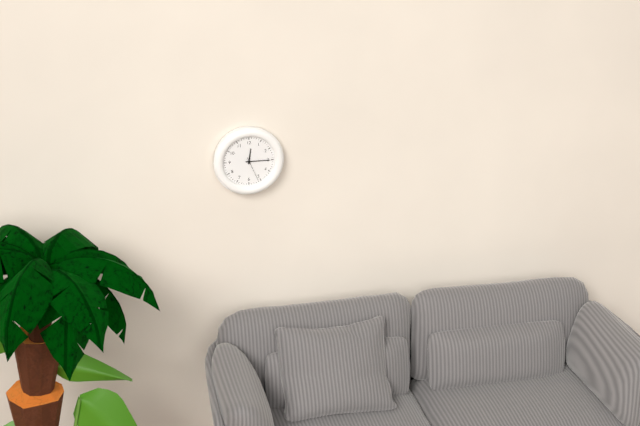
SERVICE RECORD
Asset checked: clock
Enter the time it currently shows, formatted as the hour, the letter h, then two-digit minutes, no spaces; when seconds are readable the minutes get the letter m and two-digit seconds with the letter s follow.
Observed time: 12h15
